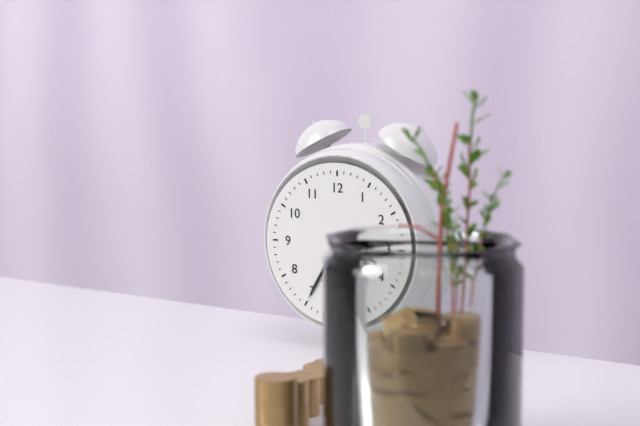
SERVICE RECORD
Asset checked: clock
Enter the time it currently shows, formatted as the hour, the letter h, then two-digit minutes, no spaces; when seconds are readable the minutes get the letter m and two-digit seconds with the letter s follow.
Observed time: 3h35m22s
